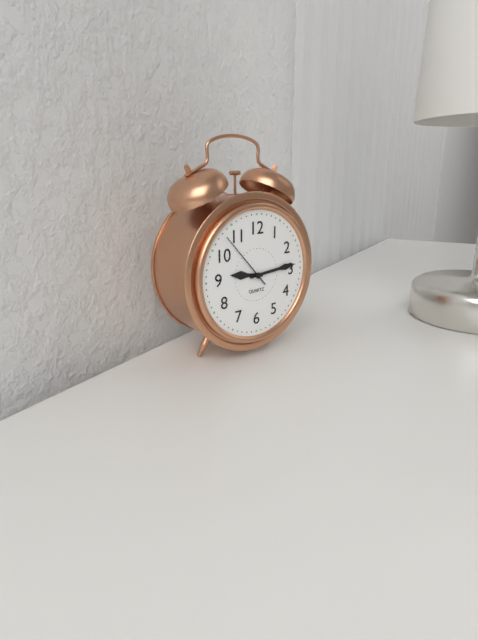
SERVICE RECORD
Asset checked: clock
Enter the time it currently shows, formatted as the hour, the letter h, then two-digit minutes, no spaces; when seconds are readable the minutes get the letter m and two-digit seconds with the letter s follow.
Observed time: 9h14m53s
